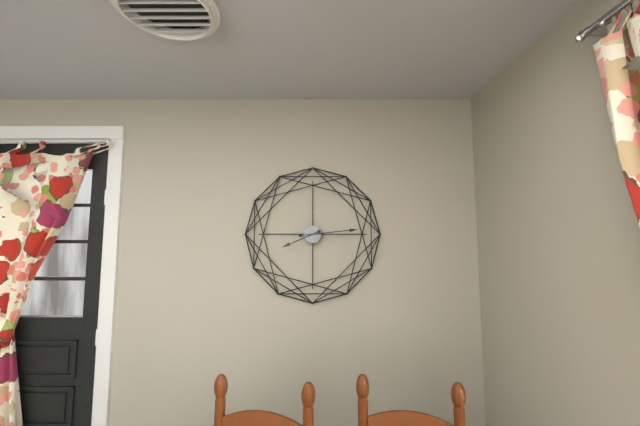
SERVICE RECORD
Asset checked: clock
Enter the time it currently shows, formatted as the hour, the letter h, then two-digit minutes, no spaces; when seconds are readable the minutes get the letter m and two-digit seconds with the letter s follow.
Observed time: 8h14
